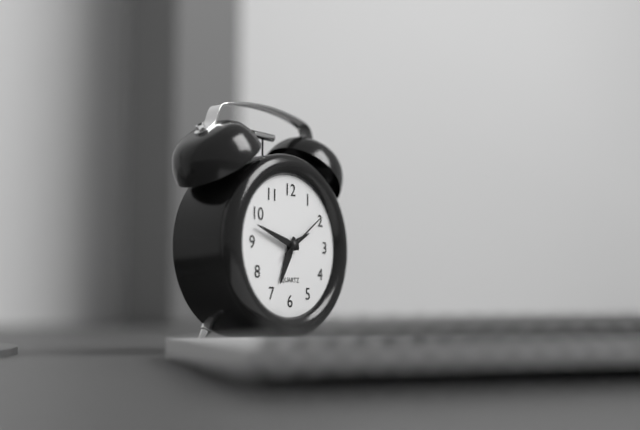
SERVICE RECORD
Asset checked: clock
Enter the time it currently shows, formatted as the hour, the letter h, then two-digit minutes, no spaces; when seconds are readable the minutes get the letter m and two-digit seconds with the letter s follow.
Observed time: 6h48
